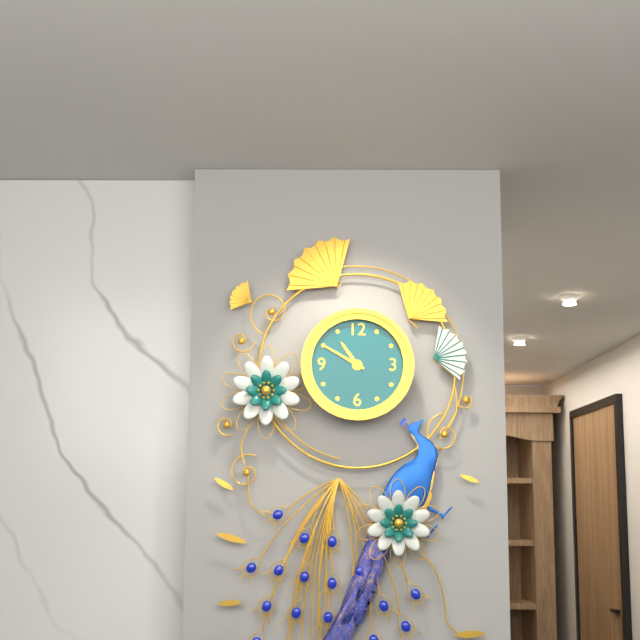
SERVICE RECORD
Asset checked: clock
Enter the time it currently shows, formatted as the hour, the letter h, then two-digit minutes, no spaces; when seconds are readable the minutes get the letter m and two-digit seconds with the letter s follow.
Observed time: 10h50
